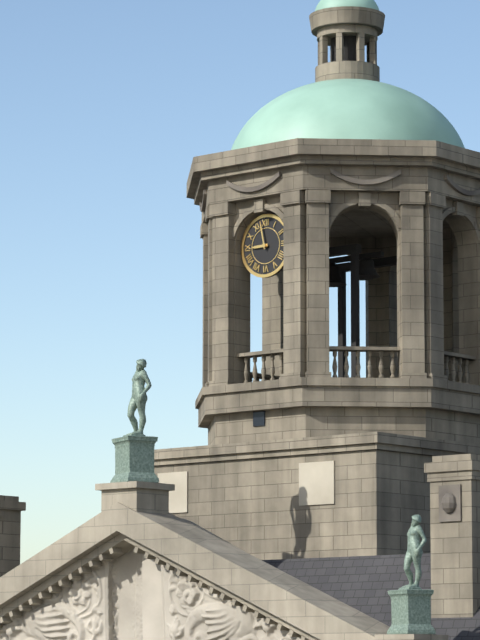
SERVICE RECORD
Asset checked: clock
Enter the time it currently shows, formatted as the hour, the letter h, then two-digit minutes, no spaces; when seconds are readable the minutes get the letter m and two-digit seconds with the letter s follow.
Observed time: 8h58
